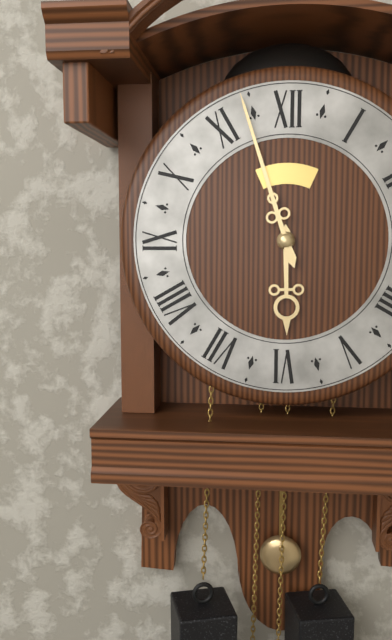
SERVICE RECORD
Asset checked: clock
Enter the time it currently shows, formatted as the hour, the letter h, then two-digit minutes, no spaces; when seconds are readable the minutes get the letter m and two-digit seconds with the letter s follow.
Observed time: 5h57
